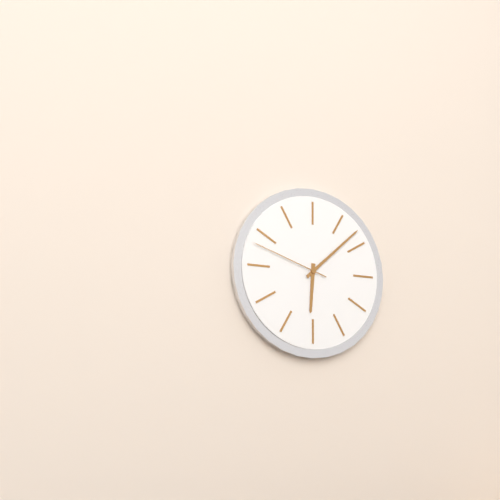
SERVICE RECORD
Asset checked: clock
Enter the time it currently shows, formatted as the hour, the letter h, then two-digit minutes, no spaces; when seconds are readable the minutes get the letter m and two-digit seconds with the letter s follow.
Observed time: 6h08m48s
